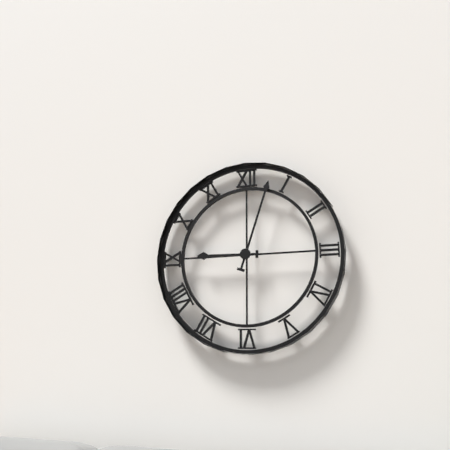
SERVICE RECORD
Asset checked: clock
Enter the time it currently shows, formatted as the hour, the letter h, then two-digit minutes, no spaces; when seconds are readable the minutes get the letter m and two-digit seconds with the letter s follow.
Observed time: 9h03
